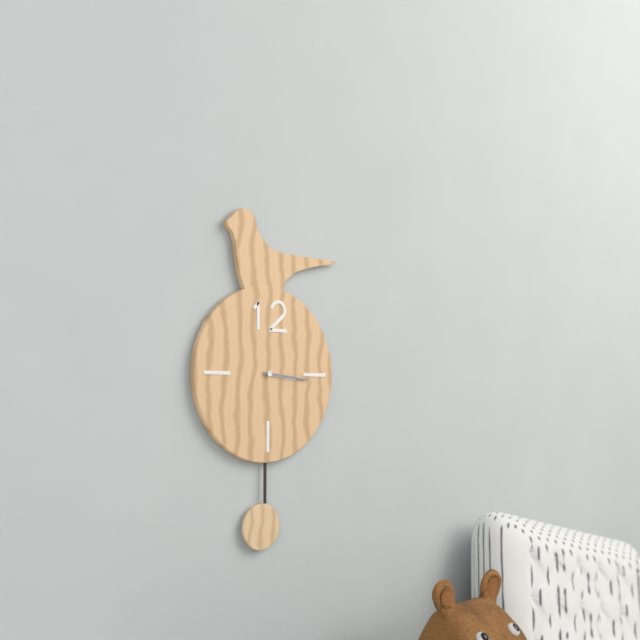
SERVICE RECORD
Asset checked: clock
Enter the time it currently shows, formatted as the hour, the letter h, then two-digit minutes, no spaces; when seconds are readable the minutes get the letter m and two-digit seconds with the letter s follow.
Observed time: 3h16
